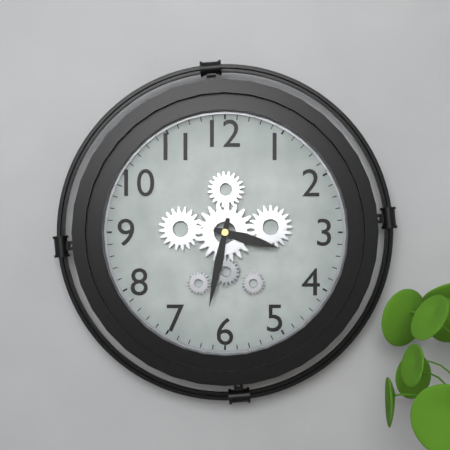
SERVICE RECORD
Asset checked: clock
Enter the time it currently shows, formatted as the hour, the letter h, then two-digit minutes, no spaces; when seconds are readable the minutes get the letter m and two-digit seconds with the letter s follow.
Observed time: 3h32
